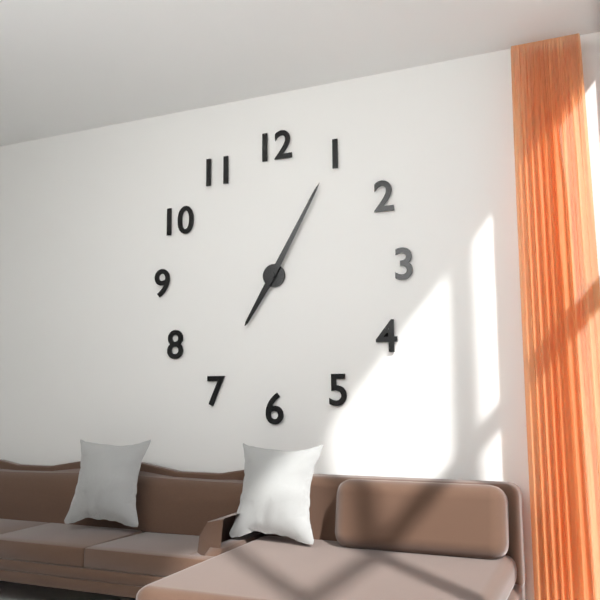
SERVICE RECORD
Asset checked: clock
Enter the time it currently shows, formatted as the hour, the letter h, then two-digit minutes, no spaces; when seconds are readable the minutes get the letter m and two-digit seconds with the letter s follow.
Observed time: 7h05
